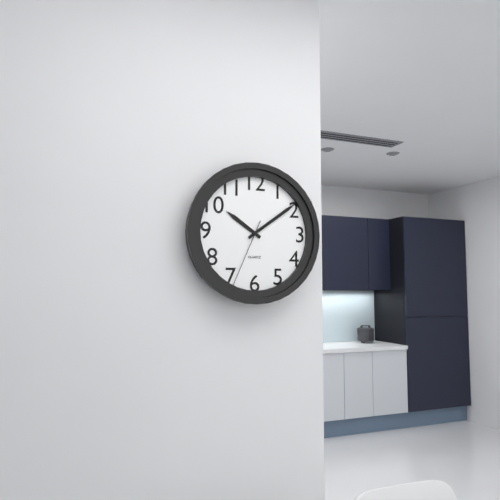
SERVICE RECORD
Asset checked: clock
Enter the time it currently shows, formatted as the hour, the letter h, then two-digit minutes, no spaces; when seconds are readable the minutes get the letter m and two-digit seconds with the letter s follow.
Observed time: 10h09m34s
